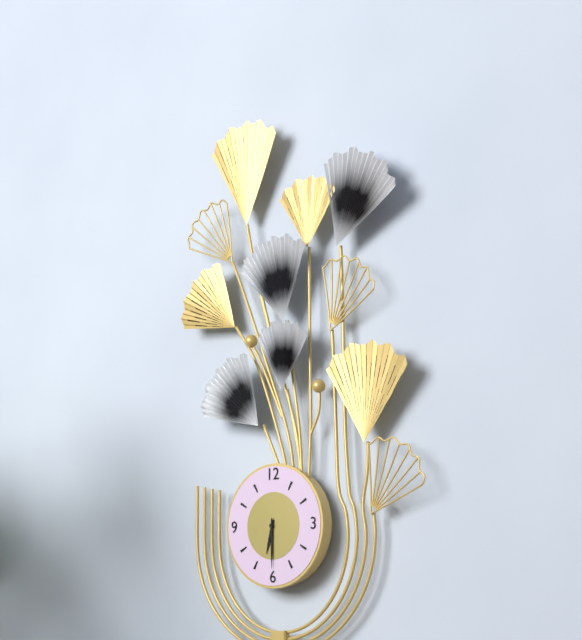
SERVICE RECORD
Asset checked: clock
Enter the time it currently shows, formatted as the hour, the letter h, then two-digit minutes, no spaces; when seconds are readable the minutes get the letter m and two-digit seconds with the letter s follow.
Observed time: 6h30
